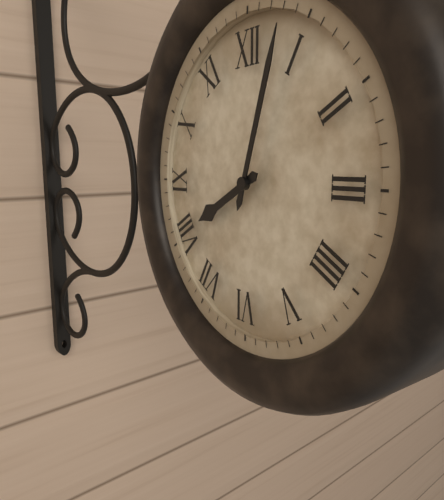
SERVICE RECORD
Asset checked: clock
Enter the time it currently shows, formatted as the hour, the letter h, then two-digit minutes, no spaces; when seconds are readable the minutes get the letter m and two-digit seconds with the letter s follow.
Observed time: 8h03
